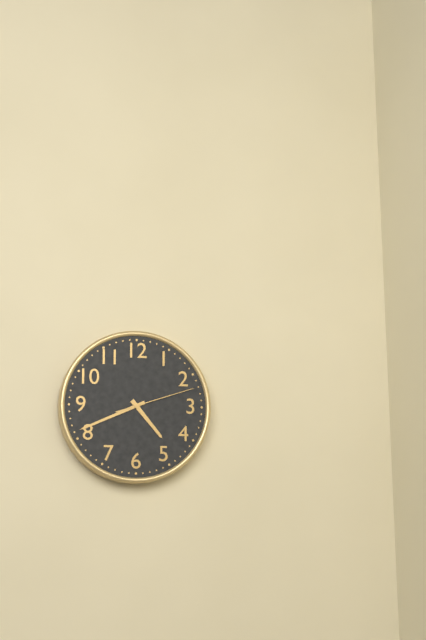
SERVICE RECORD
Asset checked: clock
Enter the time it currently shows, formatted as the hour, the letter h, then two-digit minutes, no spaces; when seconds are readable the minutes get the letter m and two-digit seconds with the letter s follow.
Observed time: 4h41m12s
